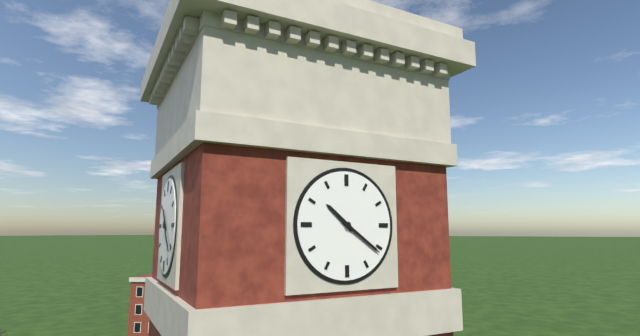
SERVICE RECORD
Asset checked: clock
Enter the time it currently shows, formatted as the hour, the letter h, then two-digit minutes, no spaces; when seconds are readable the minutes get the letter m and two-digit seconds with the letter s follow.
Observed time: 10h21
